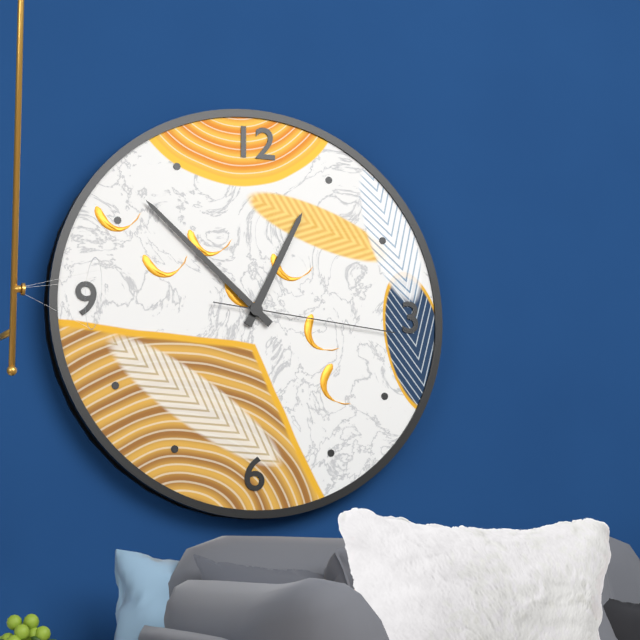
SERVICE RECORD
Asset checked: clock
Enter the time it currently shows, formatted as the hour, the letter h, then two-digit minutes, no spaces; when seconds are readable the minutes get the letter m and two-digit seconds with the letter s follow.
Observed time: 12h52m16s
